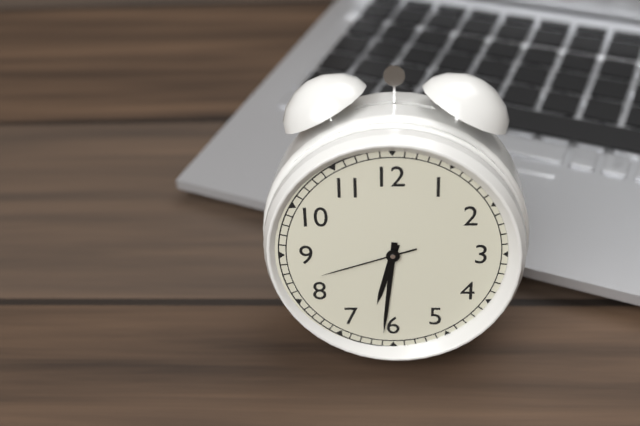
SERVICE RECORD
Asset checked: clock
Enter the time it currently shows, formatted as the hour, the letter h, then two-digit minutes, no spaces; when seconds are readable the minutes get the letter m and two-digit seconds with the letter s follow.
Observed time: 6h31m42s
